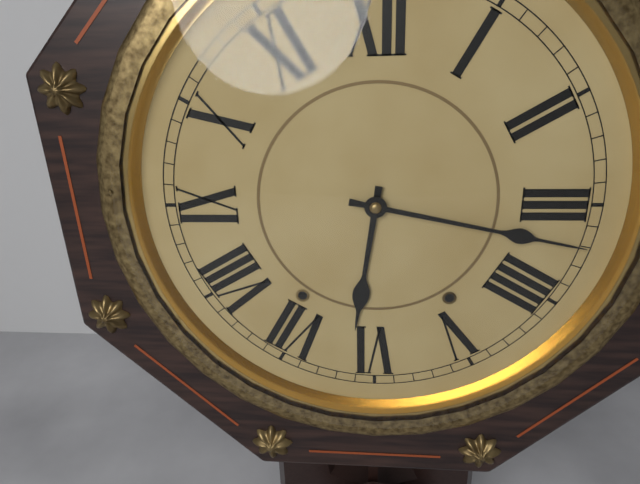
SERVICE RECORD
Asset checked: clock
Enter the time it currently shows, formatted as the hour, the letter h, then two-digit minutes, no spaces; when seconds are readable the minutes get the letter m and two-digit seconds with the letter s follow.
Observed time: 6h17
